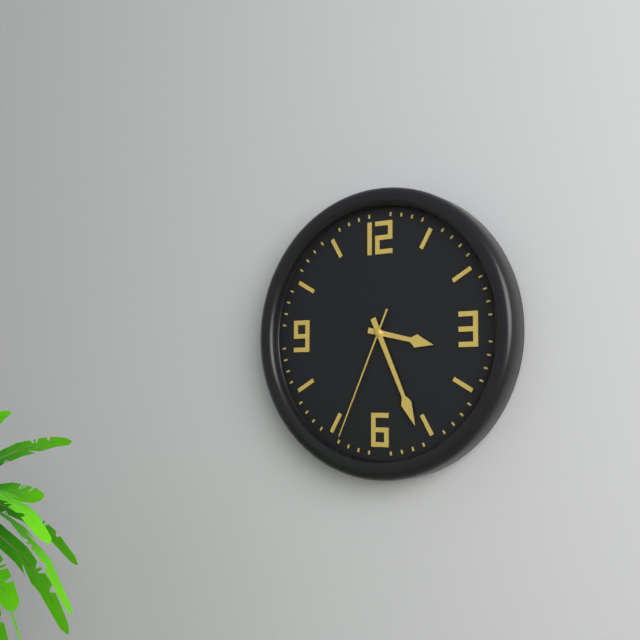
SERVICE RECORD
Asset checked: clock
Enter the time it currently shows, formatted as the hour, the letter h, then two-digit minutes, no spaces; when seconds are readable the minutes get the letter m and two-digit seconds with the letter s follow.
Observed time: 3h26m34s
